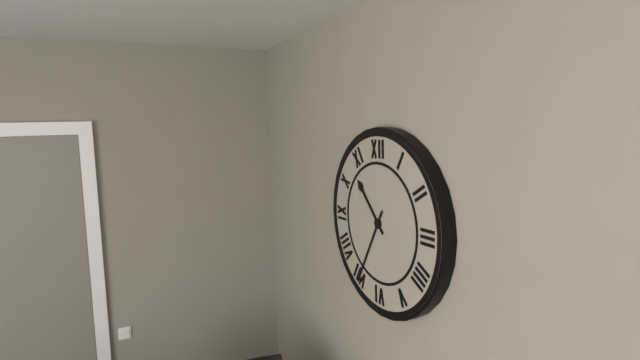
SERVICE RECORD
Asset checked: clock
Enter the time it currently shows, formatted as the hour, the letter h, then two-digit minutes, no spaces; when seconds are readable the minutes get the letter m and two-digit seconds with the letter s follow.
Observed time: 10h35
